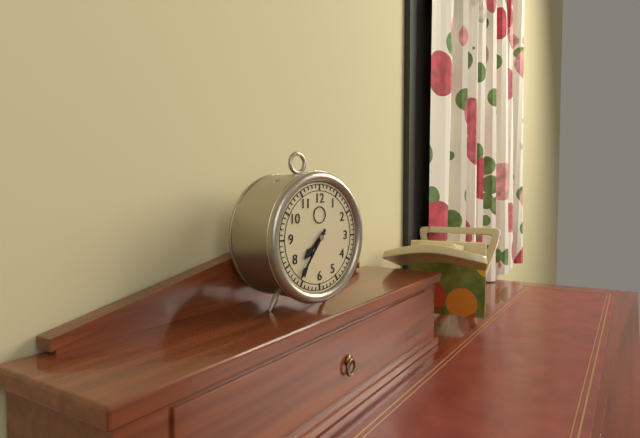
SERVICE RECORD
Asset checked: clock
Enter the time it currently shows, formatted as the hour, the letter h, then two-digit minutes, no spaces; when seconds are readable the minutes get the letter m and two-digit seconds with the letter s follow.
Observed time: 7h36
